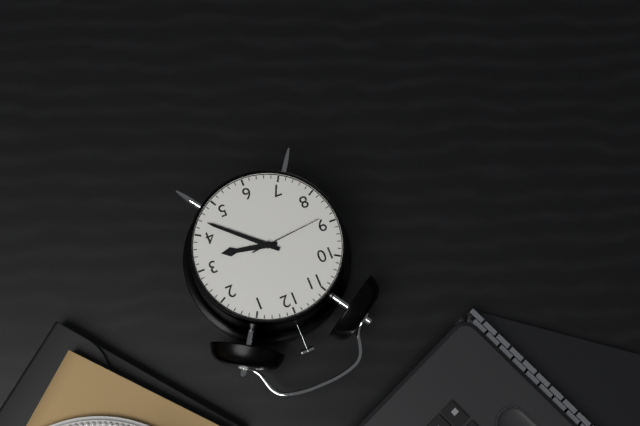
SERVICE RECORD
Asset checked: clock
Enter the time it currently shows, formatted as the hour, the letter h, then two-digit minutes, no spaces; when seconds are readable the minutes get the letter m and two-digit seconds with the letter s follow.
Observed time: 3h22m44s
